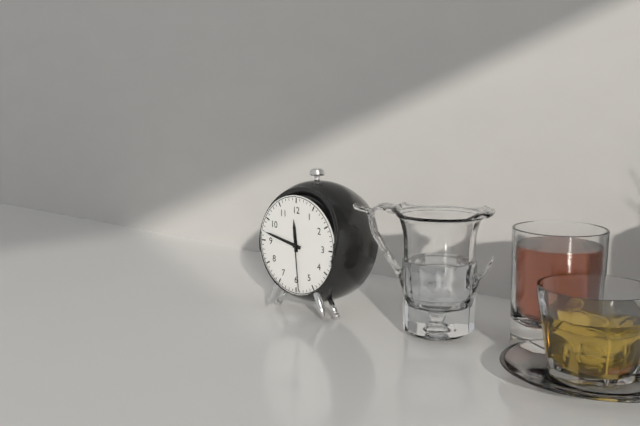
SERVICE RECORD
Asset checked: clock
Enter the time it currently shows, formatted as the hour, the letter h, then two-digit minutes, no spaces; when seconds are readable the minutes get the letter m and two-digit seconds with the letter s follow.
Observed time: 11h47m29s
